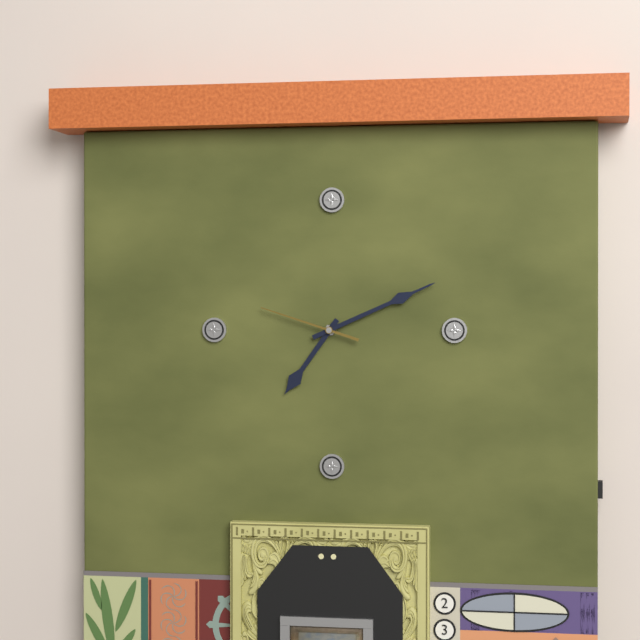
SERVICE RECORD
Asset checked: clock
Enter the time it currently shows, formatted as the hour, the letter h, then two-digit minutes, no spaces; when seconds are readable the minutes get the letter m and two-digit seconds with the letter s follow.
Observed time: 7h11m48s
